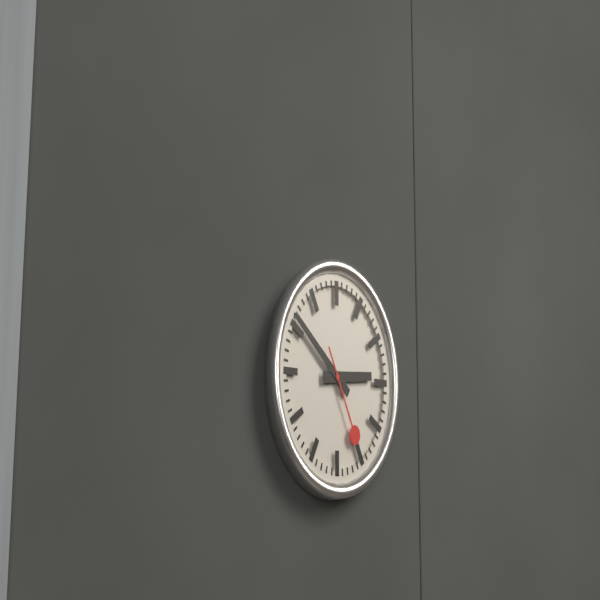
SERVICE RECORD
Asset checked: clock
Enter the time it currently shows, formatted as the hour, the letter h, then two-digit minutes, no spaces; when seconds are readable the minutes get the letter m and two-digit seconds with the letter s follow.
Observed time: 2h51m25s
